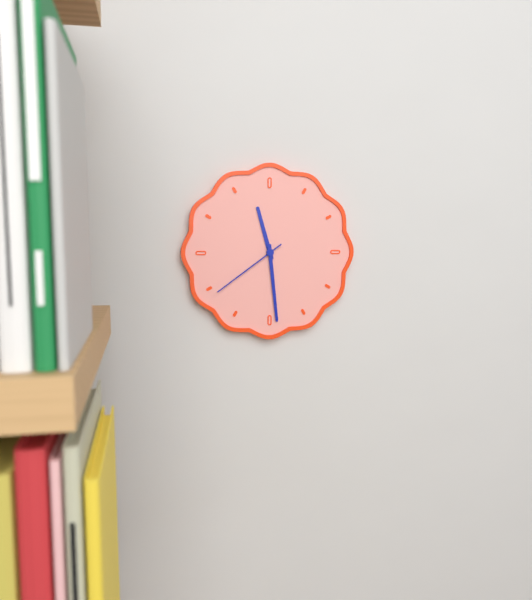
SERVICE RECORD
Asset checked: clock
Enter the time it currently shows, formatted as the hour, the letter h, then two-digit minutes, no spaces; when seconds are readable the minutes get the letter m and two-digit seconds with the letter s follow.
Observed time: 11h29m39s
